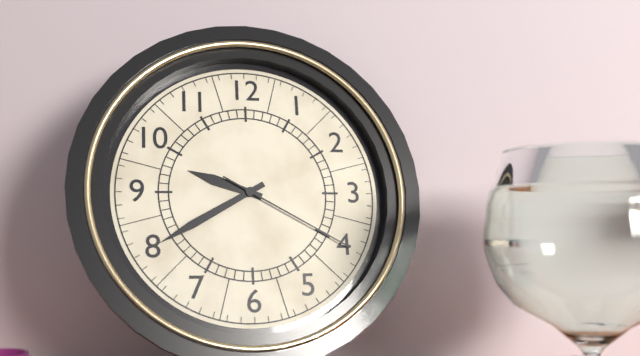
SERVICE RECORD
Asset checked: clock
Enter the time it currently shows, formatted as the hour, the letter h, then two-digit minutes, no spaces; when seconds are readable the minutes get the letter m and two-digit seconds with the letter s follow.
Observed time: 9h40m20s
